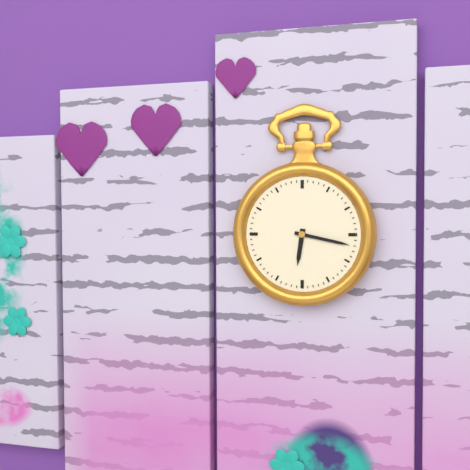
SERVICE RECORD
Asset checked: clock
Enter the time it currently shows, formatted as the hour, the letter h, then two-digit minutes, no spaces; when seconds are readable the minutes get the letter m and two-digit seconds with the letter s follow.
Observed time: 6h17
